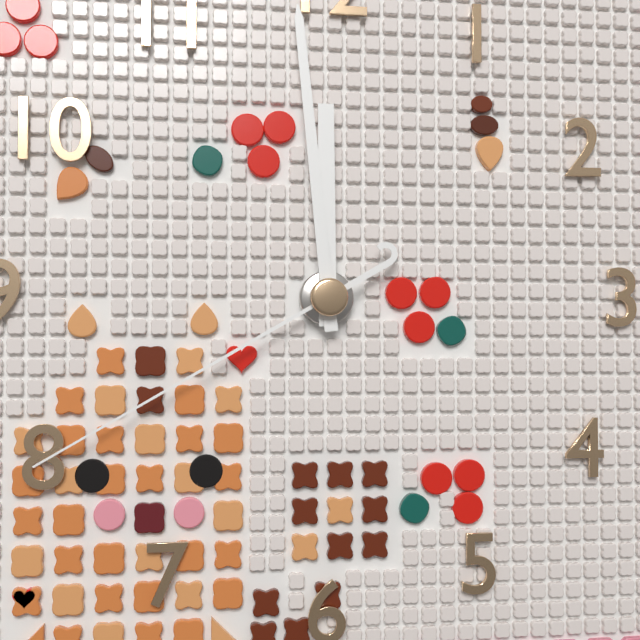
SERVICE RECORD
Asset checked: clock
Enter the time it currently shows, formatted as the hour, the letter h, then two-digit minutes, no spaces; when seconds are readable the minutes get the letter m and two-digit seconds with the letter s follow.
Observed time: 11h59m40s
